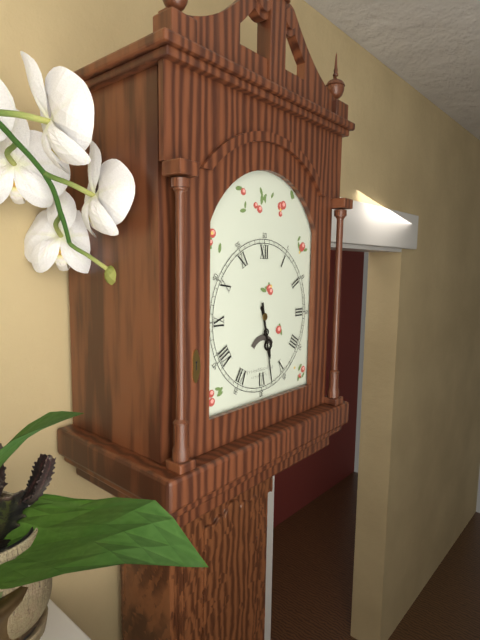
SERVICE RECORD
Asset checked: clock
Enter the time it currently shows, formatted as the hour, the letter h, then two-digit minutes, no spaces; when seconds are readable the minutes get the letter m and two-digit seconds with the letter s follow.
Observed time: 5h28
